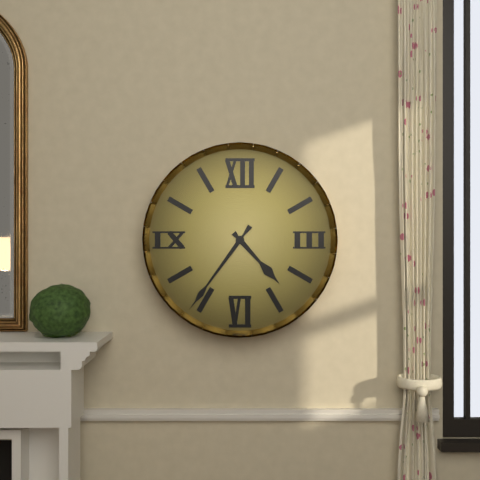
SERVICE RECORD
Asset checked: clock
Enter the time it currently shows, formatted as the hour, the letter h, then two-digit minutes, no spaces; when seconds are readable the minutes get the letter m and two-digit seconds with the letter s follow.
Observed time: 4h36
